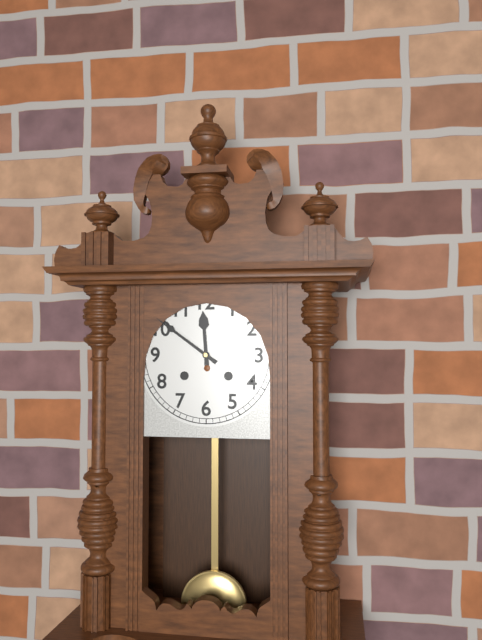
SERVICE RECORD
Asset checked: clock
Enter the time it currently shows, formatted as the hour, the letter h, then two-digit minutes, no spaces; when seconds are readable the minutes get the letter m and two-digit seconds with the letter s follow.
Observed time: 11h51
